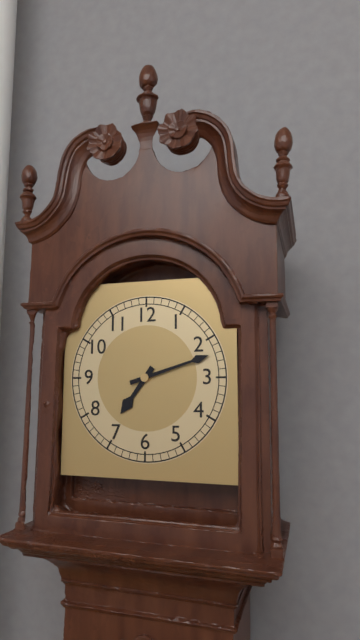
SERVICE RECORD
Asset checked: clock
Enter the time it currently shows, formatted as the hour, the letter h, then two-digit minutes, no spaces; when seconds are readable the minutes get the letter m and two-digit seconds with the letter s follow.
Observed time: 7h12
